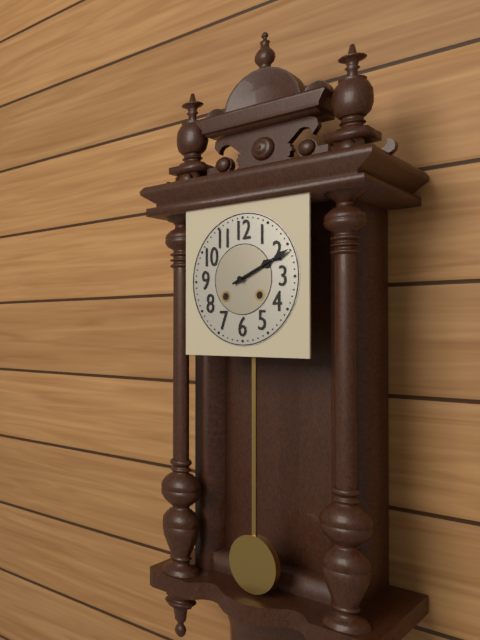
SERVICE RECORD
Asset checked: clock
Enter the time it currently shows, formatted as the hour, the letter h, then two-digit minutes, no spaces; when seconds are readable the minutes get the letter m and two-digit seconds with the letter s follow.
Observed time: 2h11
